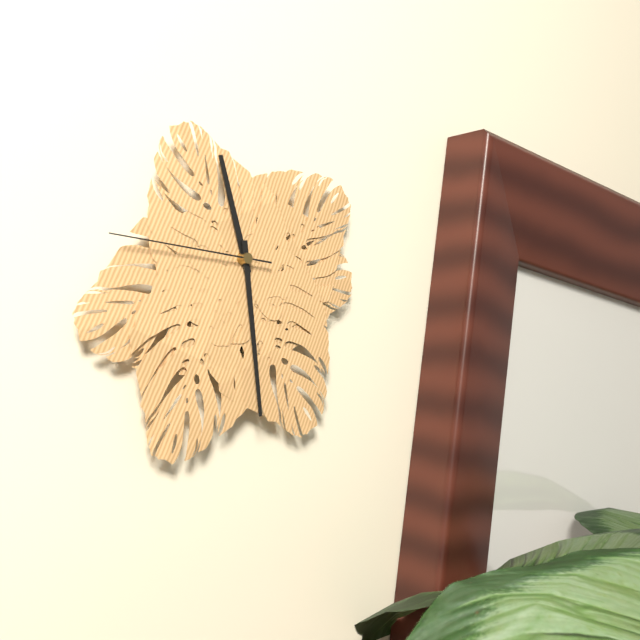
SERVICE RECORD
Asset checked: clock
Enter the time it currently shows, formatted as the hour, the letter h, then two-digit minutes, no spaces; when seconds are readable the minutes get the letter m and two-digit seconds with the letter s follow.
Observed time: 11h29m46s
